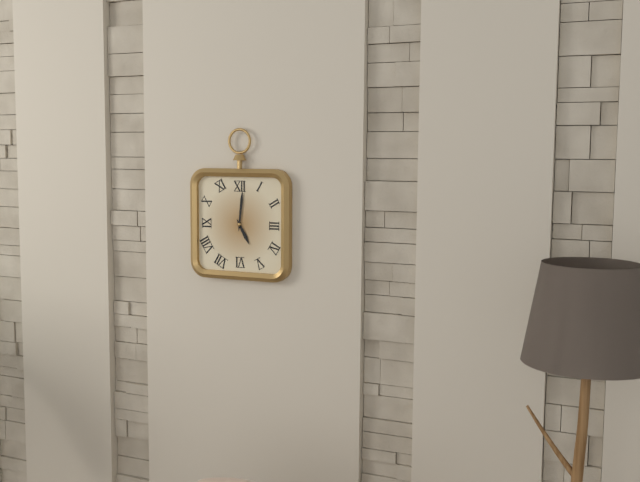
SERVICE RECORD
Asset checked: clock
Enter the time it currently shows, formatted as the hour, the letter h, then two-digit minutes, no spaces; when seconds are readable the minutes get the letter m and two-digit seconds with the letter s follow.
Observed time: 5h01
